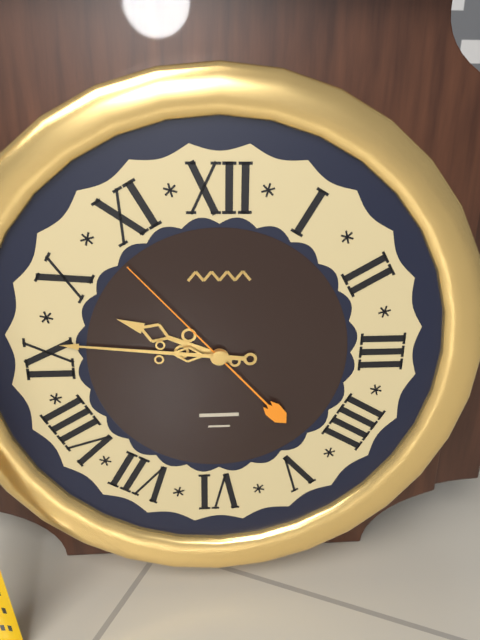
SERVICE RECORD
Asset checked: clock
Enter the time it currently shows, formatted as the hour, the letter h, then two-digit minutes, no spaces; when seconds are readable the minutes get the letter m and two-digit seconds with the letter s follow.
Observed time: 9h46m53s
